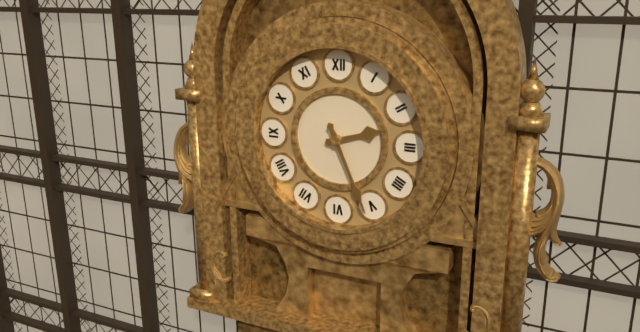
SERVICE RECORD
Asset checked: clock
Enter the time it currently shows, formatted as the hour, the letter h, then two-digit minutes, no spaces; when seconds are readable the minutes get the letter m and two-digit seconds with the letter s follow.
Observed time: 2h26
